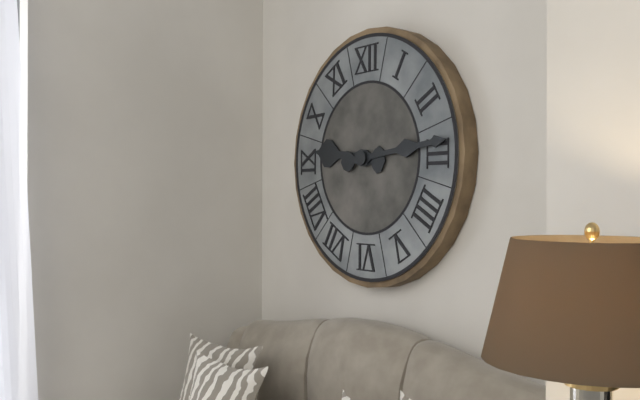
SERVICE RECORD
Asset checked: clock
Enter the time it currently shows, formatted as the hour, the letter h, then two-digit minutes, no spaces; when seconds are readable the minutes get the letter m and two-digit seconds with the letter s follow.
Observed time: 9h14
